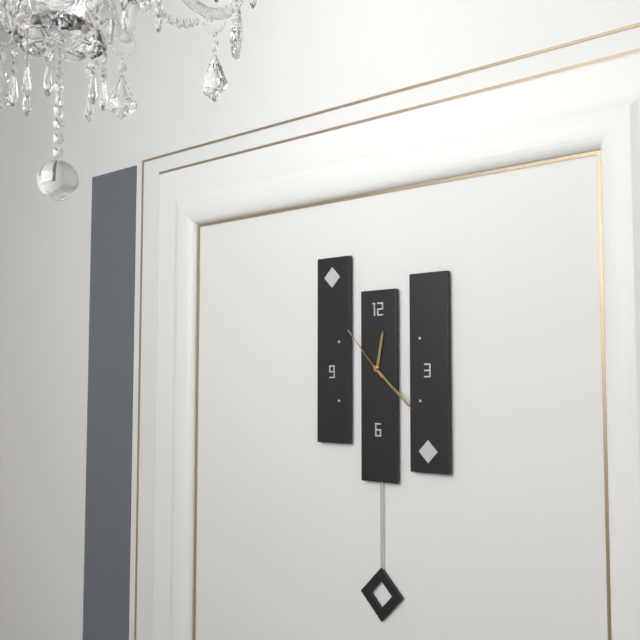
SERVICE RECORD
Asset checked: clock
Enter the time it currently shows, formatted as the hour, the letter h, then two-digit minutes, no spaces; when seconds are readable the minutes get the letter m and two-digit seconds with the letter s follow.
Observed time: 12h22m53s
